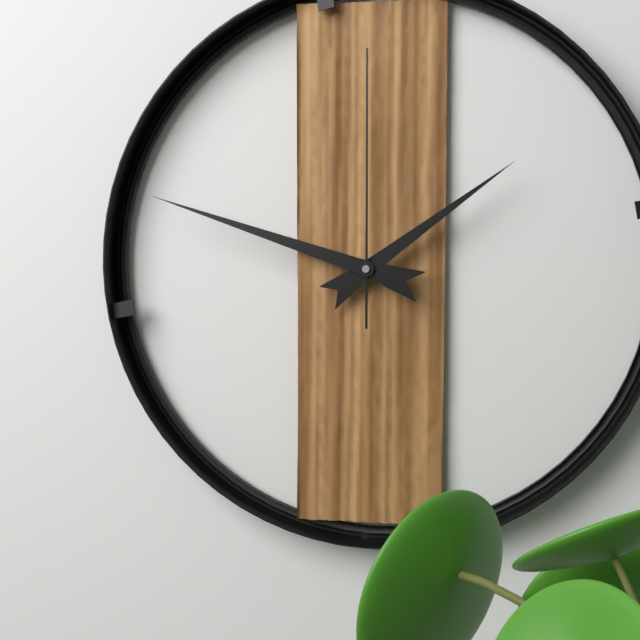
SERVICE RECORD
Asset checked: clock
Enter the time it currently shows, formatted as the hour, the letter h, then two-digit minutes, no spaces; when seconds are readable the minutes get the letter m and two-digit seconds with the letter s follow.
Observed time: 1h48m00s
